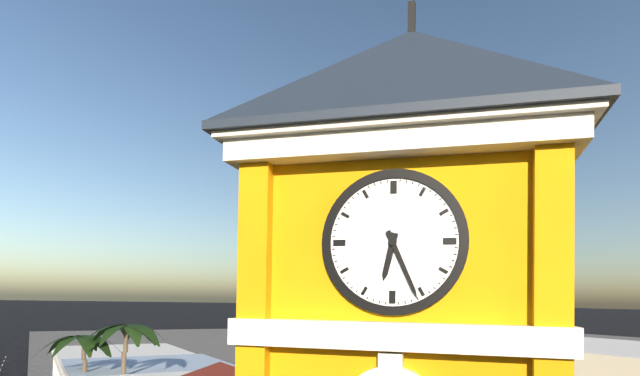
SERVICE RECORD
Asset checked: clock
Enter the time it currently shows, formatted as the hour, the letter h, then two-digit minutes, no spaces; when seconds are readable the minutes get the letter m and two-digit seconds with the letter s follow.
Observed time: 6h26
